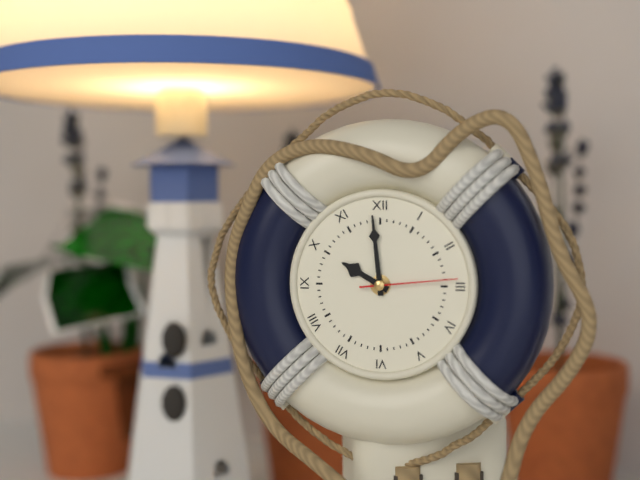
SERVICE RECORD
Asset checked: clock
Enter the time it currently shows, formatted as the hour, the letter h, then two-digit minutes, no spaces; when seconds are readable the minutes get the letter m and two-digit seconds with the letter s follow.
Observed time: 9h59m14s
